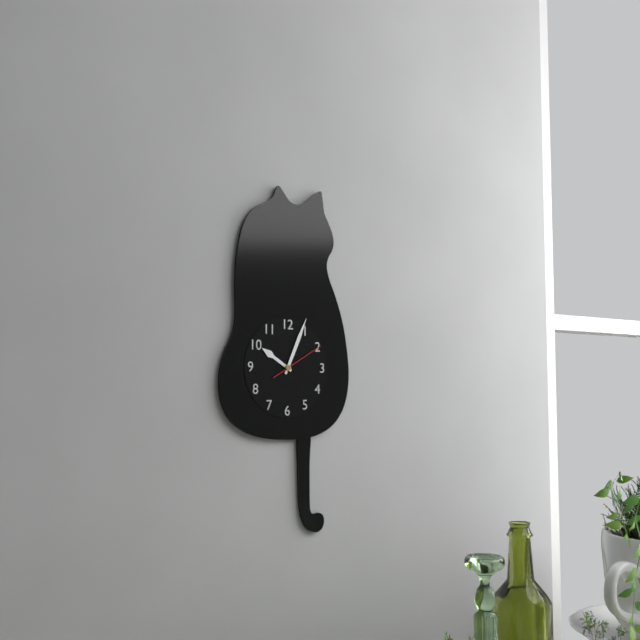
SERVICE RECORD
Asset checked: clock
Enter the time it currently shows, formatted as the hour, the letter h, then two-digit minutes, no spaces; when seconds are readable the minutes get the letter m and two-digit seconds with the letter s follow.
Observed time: 10h04
